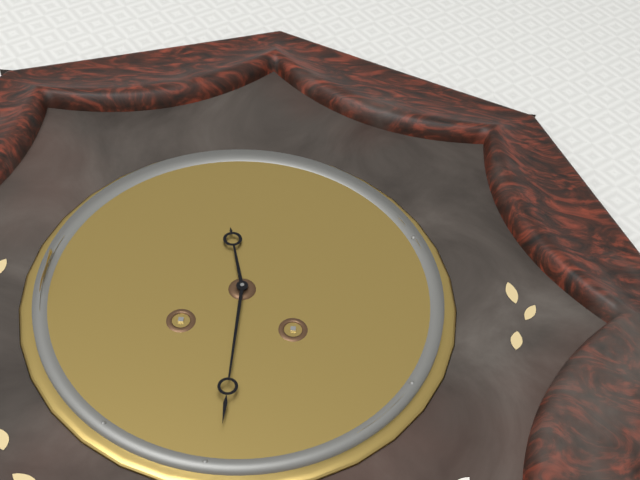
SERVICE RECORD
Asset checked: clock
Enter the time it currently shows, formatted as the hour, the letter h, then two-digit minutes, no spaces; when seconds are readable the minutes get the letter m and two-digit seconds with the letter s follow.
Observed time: 11h30
